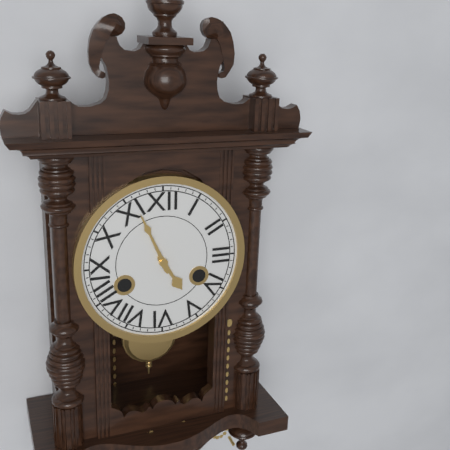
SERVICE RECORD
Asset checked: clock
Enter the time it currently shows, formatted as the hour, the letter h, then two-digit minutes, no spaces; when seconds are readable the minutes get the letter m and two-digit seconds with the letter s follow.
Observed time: 4h56
